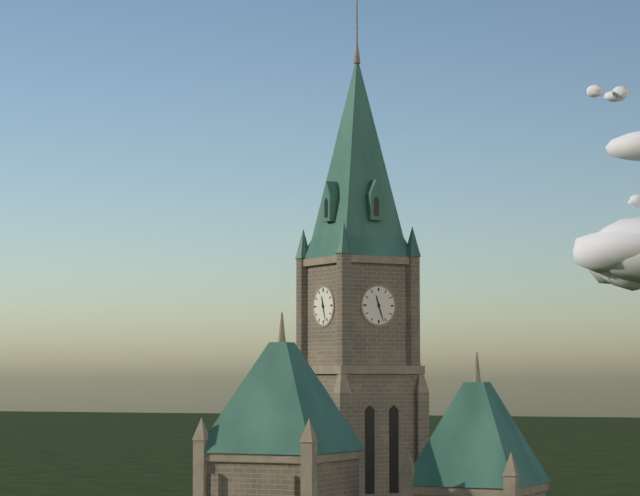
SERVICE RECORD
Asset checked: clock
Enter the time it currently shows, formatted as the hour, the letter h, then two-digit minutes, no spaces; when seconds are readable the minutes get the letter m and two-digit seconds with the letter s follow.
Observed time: 11h27
